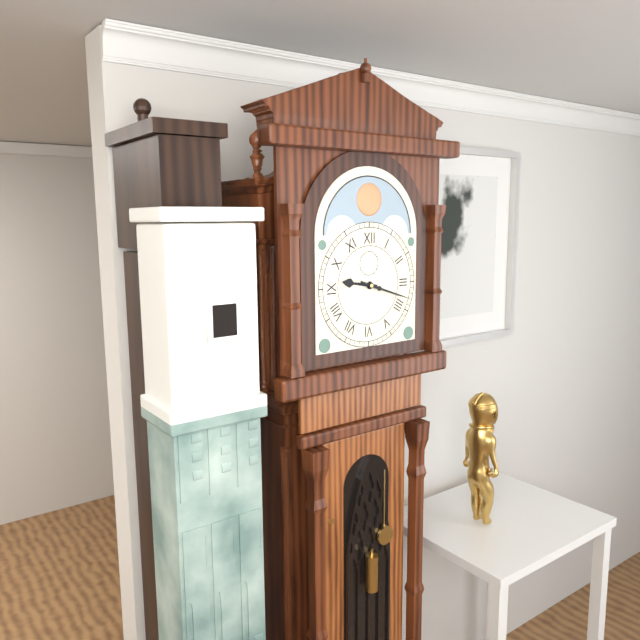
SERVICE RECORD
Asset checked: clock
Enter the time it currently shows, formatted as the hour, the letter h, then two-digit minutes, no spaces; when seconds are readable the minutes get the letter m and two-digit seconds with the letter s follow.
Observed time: 9h18
